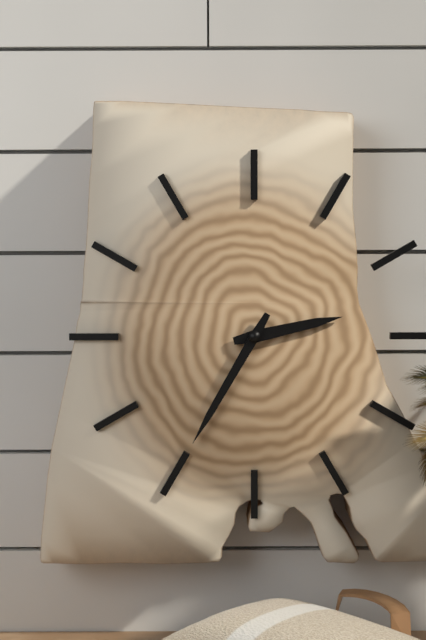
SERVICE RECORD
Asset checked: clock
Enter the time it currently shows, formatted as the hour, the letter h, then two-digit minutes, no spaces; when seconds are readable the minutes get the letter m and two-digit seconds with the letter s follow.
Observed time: 2h35
